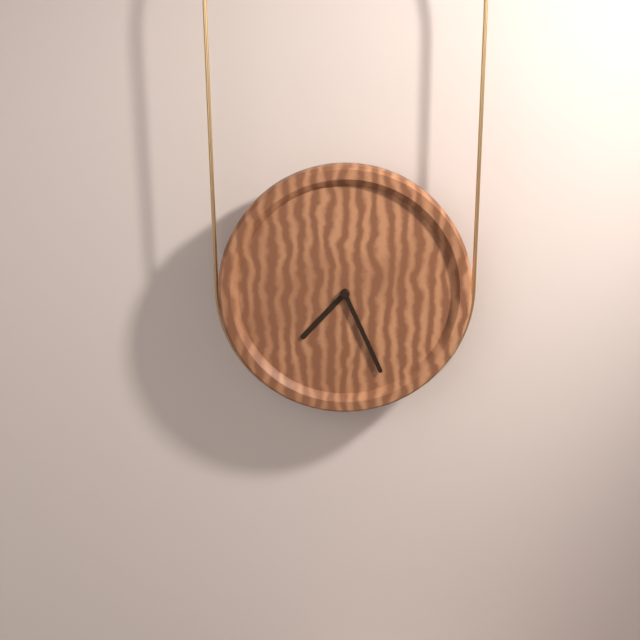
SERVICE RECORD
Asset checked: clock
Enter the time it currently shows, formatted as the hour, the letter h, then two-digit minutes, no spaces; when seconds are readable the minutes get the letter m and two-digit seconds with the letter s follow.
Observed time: 7h26
